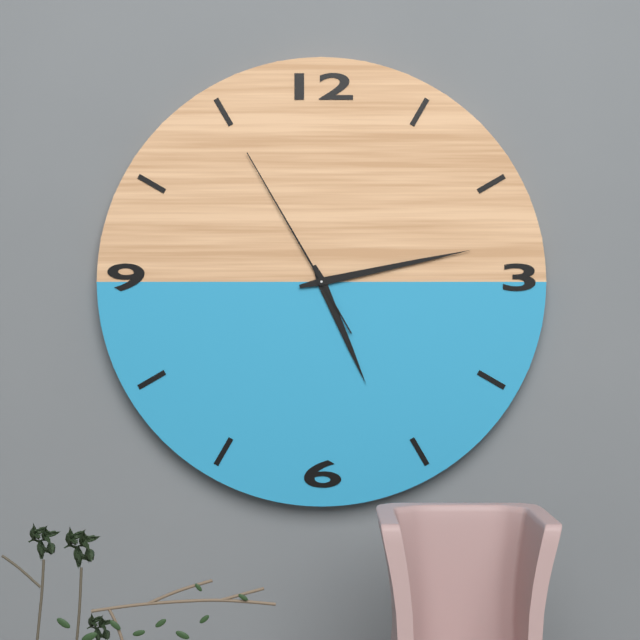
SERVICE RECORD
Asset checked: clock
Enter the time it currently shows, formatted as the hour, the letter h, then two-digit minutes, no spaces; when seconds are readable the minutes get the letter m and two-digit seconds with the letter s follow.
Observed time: 5h13m55s
